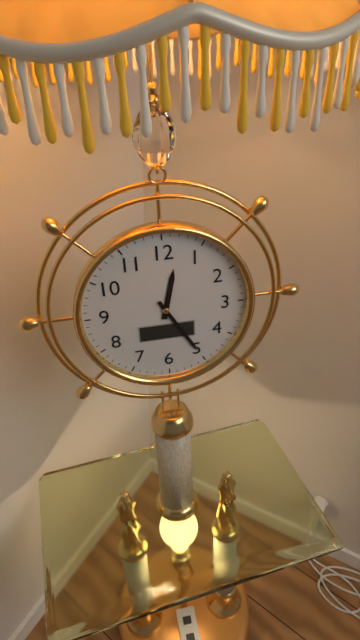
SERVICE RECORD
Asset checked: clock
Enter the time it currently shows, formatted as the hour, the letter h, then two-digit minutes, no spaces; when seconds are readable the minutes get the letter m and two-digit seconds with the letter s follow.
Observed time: 12h25
